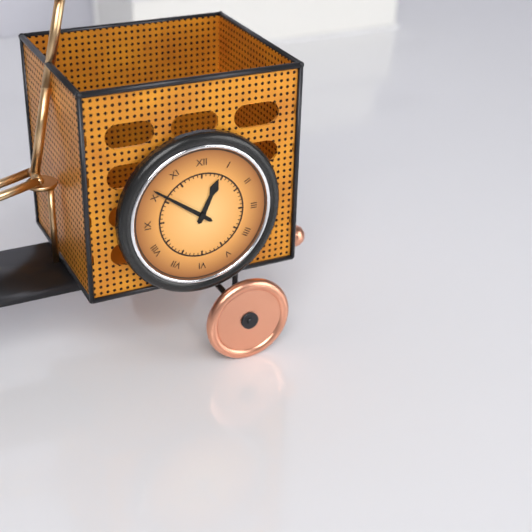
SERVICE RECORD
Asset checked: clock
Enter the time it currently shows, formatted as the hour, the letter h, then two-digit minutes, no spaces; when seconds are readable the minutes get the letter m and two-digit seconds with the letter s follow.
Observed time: 12h51
